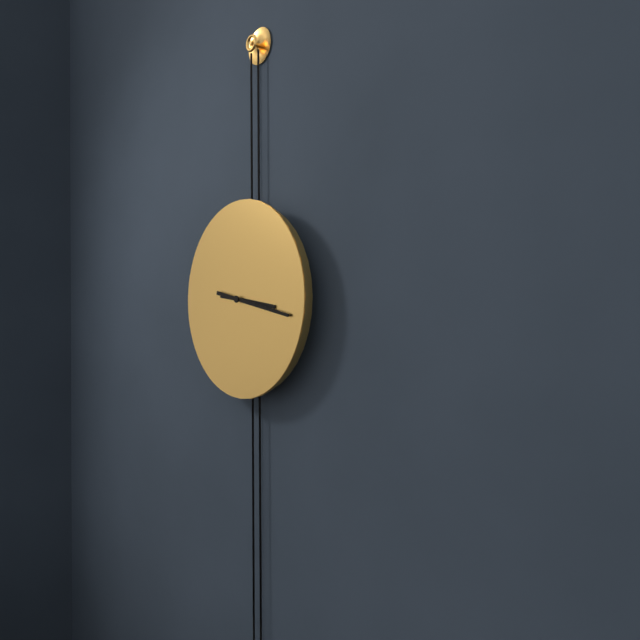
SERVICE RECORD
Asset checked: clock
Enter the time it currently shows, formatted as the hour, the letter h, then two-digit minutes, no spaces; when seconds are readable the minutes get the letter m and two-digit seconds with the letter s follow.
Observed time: 3h17
